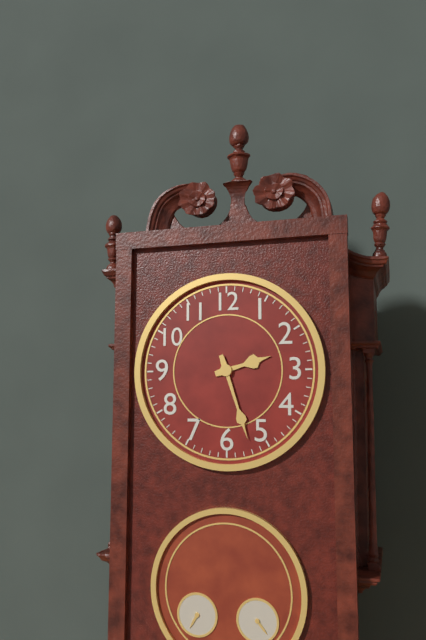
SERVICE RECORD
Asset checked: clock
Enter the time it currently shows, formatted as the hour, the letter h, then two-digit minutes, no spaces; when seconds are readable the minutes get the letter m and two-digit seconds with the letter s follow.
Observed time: 2h27
